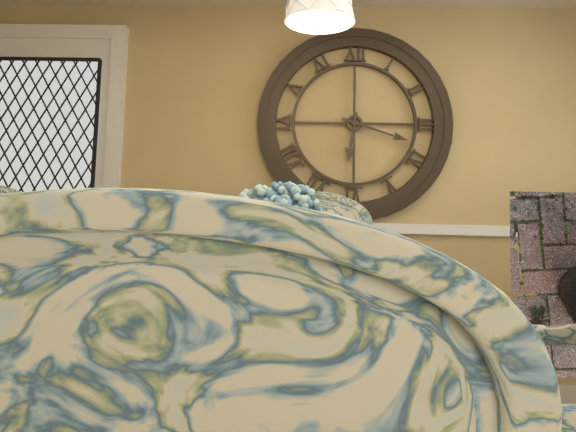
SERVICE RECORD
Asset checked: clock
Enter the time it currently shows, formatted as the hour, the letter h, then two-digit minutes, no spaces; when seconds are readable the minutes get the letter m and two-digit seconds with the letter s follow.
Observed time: 6h18
